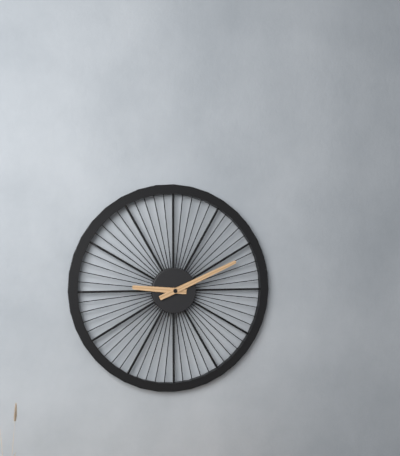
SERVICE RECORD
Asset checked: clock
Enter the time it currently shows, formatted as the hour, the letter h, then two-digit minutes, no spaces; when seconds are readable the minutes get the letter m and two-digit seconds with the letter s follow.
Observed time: 9h11
